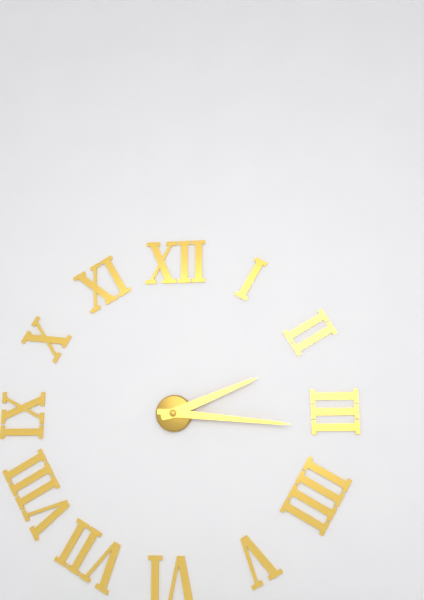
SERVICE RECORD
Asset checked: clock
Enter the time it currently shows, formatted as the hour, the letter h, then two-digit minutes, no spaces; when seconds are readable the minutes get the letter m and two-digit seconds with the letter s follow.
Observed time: 2h16
